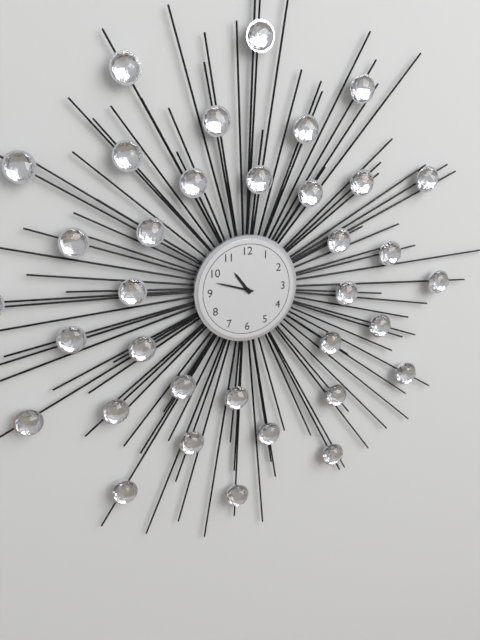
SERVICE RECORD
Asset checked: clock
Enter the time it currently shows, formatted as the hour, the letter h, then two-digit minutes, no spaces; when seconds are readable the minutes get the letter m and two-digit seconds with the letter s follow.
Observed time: 10h48
